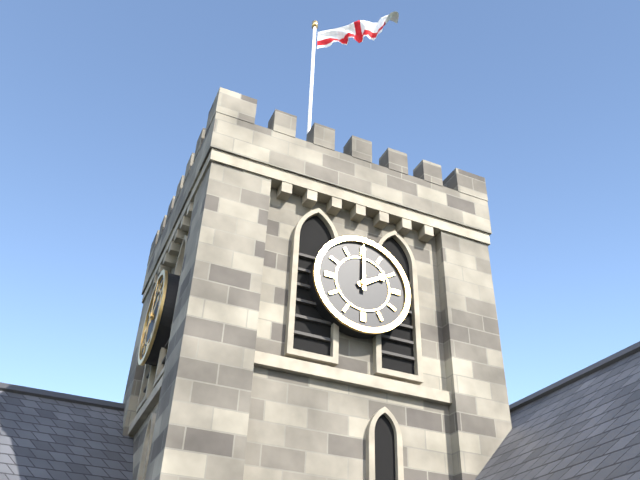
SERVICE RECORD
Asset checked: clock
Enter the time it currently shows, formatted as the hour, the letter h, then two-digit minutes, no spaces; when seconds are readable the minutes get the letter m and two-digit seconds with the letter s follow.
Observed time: 2h00
